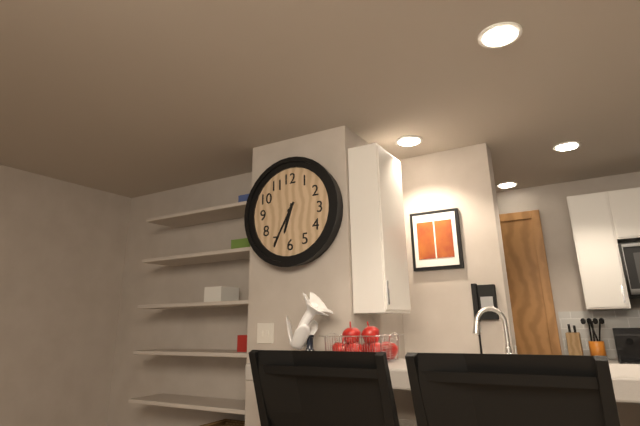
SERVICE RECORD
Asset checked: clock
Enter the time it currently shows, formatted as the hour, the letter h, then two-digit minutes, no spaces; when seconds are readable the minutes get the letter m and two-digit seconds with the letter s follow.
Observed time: 6h35
